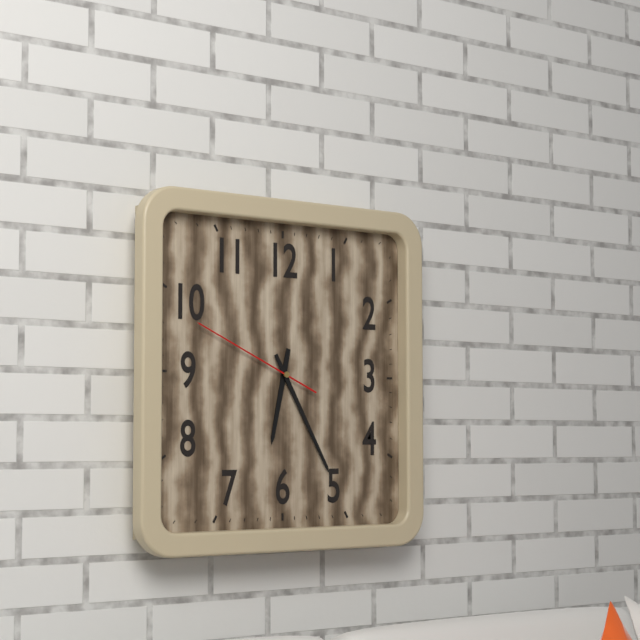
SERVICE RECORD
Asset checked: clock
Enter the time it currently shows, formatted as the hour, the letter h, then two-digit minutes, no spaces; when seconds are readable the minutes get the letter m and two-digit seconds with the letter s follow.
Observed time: 6h25m49s
